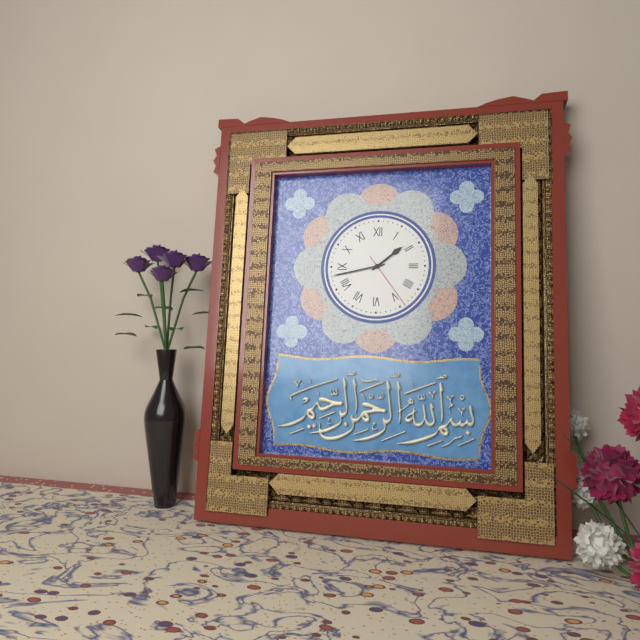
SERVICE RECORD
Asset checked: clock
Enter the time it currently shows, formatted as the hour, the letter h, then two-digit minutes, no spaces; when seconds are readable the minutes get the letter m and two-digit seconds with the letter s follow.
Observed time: 1h43m24s
